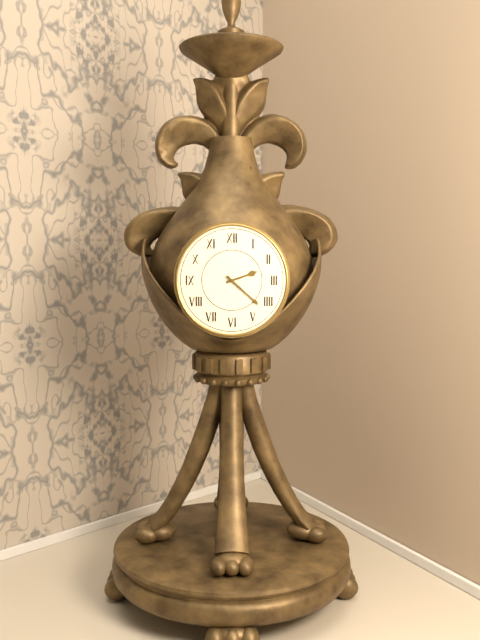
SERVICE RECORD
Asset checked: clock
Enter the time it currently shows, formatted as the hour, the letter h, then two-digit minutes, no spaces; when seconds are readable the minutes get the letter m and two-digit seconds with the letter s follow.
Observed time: 2h22
